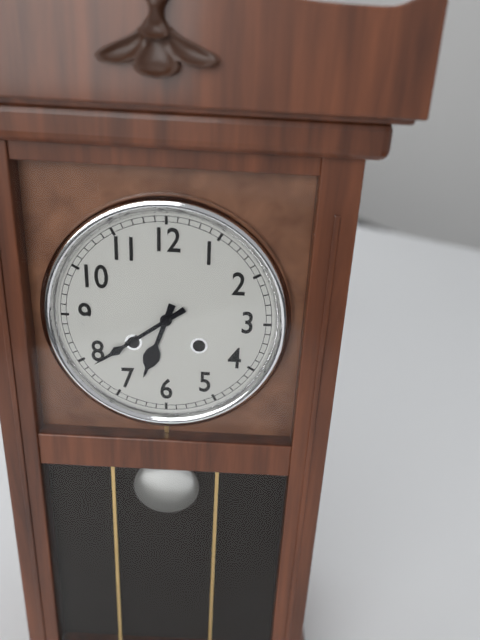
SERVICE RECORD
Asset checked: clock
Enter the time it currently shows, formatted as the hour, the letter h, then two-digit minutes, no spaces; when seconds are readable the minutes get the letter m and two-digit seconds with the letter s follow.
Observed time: 6h39
